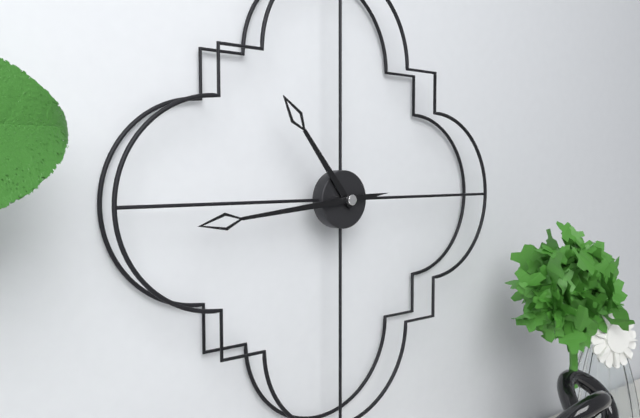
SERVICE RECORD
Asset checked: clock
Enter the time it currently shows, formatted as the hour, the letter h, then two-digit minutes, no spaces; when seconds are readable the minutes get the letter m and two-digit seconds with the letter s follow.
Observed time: 10h44
